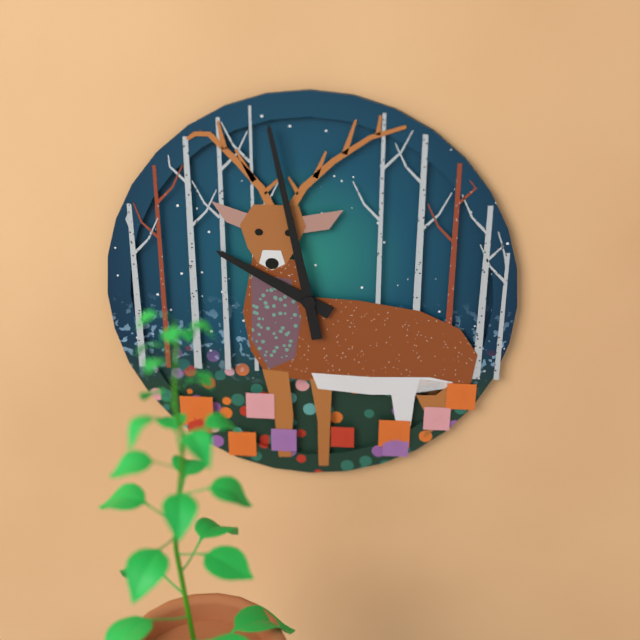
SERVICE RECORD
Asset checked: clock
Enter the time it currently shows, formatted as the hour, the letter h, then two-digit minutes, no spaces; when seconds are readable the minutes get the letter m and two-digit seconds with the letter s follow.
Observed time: 9h58
